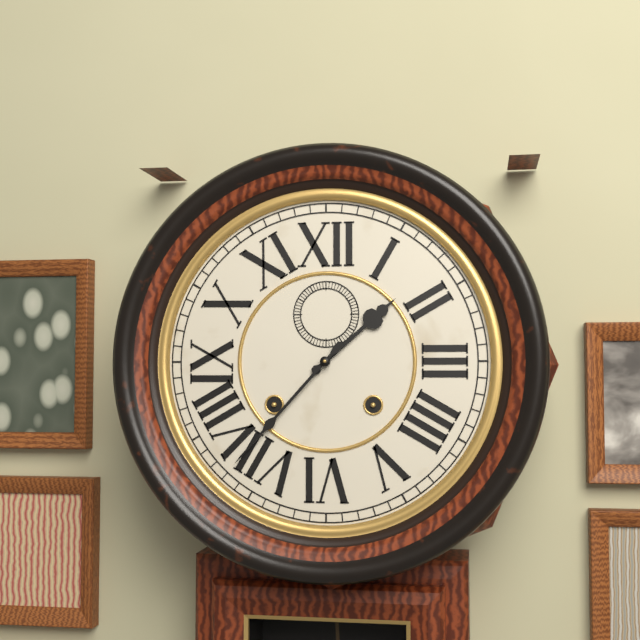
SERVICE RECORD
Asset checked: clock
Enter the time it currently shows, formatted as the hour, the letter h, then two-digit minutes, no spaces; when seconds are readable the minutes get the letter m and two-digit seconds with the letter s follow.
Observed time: 1h37
